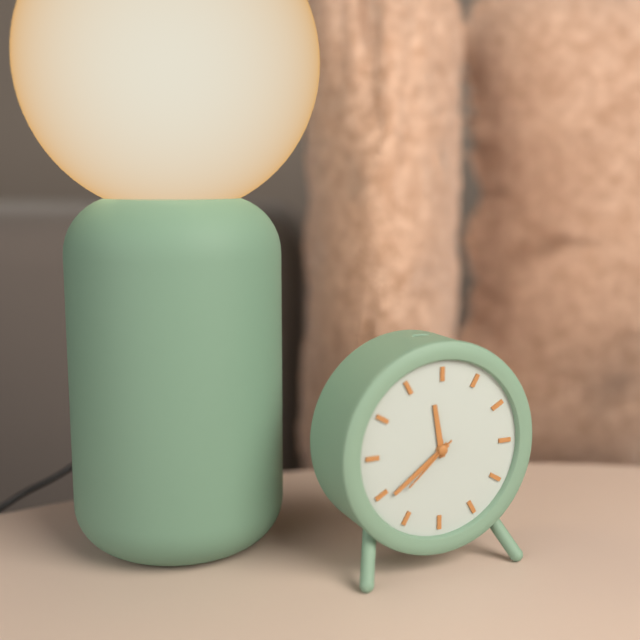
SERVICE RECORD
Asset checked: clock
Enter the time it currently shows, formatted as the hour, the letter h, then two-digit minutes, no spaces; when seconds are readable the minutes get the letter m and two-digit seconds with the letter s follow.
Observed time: 11h39m38s
